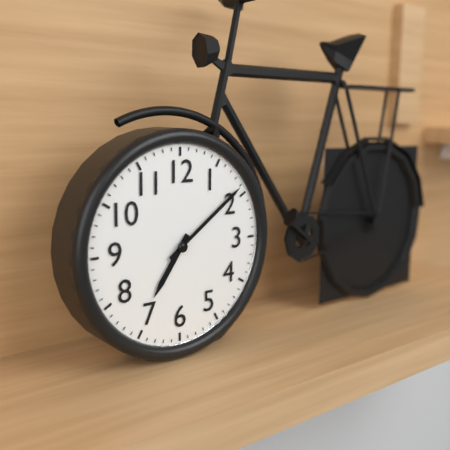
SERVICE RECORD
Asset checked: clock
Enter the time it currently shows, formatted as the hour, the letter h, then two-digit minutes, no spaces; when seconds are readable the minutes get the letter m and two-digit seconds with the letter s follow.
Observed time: 7h09
